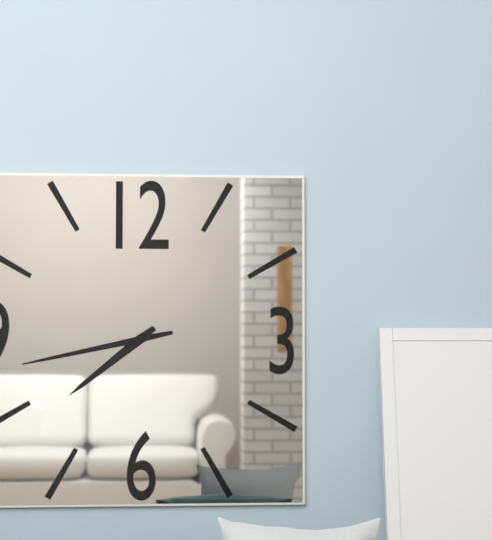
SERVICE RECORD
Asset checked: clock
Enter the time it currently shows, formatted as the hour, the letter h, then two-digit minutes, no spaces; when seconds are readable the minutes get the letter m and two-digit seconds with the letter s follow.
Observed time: 7h43
